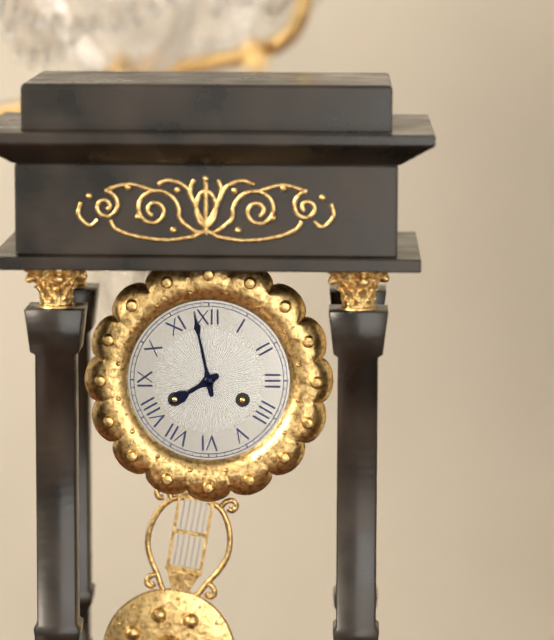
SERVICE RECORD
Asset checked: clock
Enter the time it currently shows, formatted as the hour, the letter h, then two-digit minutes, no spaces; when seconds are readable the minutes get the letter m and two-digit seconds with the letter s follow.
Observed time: 7h58
